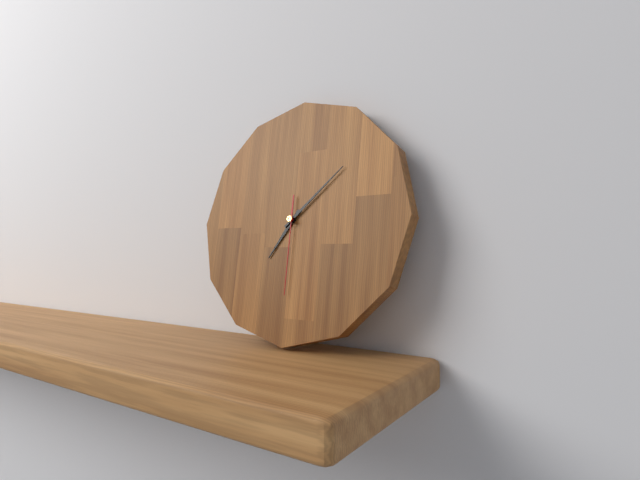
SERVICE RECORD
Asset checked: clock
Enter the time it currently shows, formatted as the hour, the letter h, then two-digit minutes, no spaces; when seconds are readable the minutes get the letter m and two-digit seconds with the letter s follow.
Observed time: 7h08m30s
